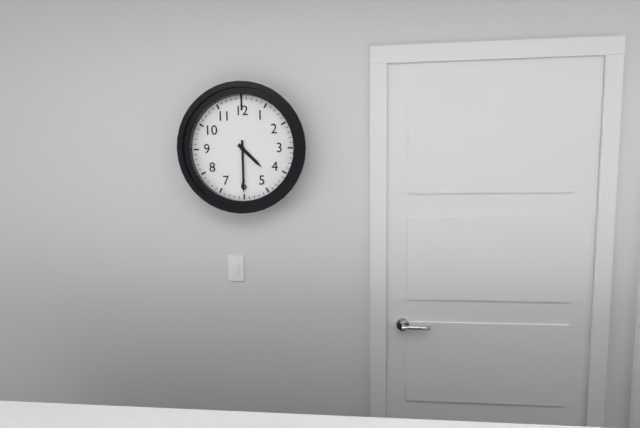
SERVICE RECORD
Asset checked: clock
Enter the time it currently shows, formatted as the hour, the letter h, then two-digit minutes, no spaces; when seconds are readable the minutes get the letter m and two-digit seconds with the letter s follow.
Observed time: 4h30
